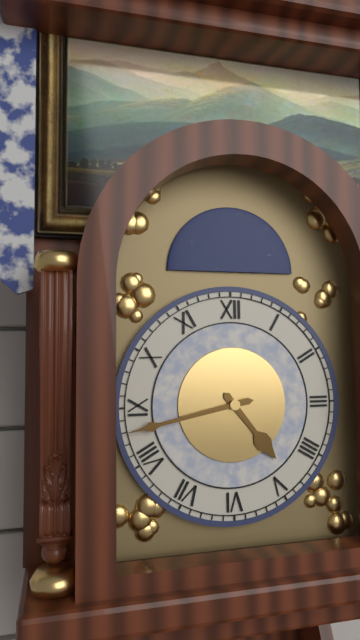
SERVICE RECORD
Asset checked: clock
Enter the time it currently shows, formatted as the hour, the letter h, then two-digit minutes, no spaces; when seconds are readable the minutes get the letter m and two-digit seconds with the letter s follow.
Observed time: 4h43
